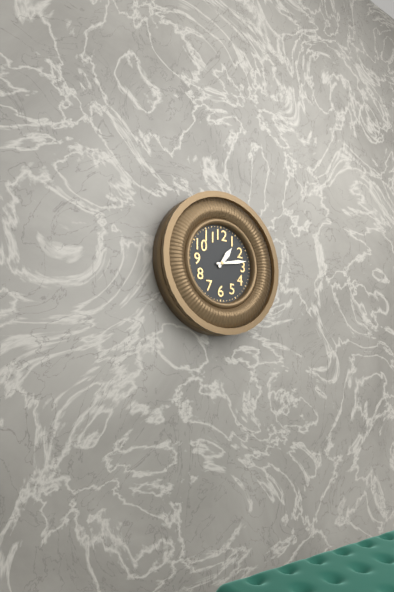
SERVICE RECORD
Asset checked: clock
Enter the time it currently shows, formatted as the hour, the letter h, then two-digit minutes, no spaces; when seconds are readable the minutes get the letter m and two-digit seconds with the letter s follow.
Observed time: 1h13
